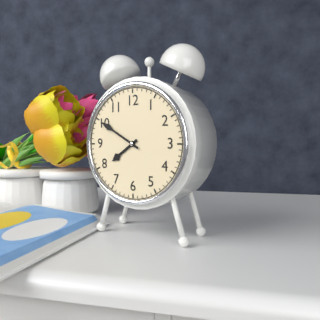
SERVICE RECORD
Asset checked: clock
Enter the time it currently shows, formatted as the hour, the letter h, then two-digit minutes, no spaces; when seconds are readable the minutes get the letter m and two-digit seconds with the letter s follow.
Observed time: 7h50
